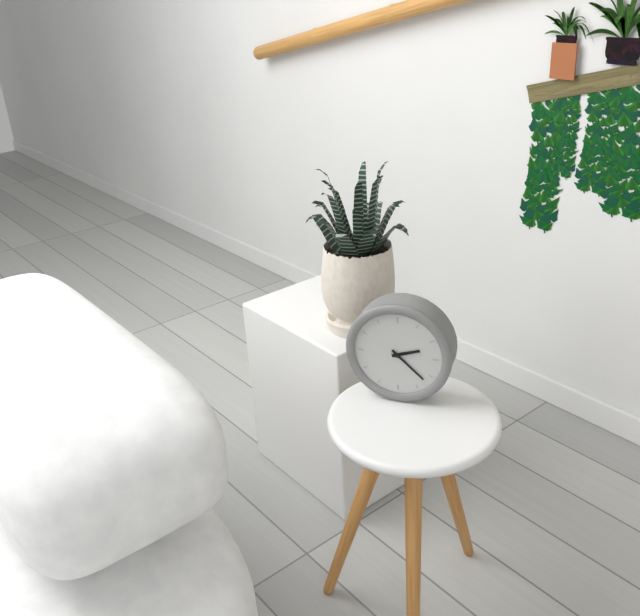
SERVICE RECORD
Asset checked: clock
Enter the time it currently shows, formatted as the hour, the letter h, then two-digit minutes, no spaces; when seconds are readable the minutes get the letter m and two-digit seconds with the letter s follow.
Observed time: 2h22
